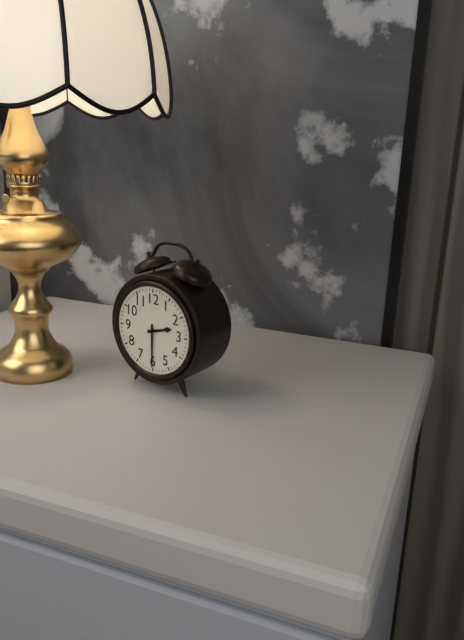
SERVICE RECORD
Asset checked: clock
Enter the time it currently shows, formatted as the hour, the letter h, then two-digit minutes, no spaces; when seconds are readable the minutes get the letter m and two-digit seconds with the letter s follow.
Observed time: 2h30
